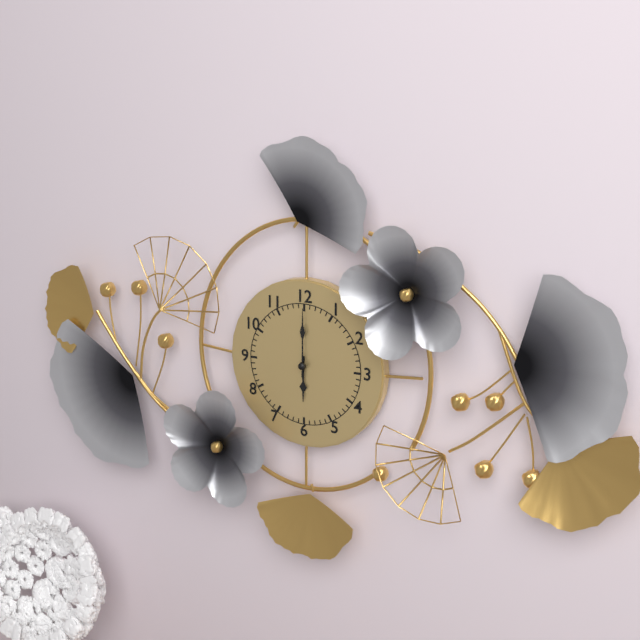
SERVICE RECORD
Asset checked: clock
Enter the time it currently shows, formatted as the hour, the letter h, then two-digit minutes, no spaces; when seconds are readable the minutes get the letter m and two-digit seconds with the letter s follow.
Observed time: 6h00
